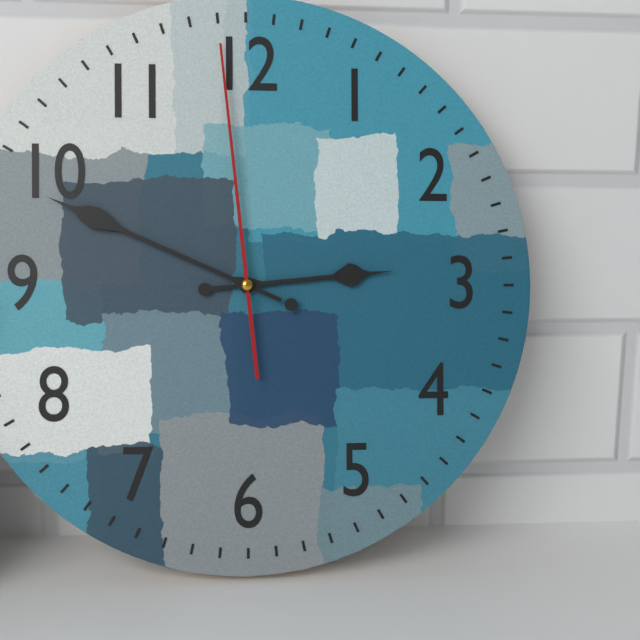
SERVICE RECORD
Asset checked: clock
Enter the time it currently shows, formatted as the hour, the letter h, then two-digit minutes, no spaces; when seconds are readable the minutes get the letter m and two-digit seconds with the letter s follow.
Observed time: 2h49m59s
